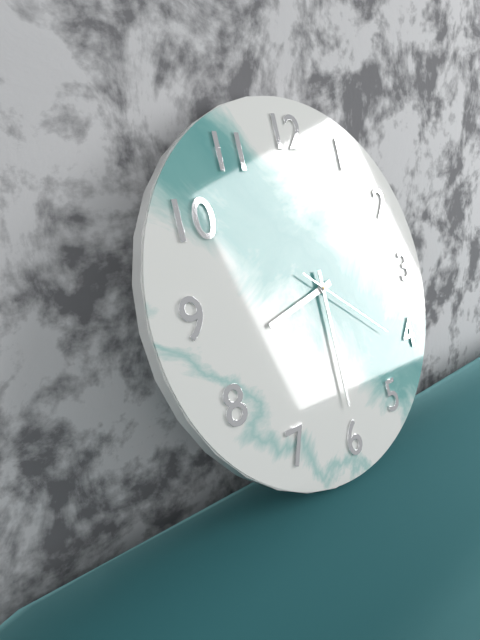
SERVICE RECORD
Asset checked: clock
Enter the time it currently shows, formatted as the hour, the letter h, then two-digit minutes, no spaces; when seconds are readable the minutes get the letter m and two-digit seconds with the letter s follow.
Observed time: 8h30m21s
